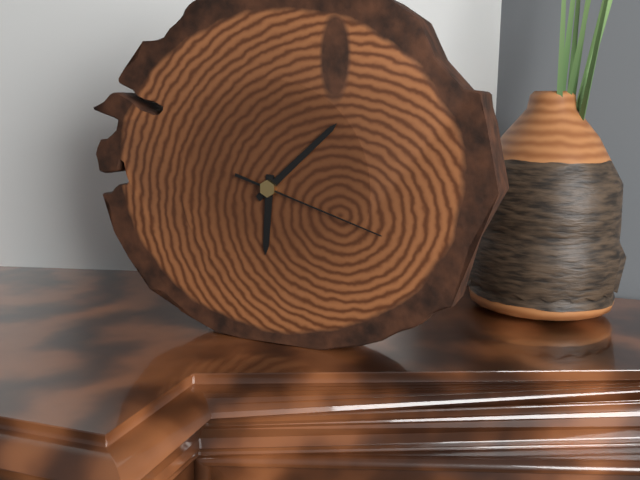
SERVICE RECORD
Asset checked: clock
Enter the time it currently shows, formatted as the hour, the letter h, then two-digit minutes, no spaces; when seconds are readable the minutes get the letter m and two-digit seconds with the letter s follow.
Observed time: 6h08m18s
